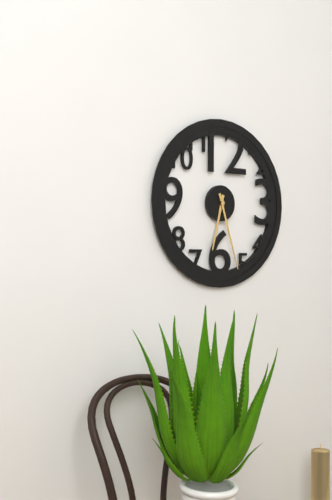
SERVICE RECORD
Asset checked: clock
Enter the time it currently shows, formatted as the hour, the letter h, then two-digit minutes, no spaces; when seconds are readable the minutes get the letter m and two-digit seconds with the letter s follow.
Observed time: 6h27
